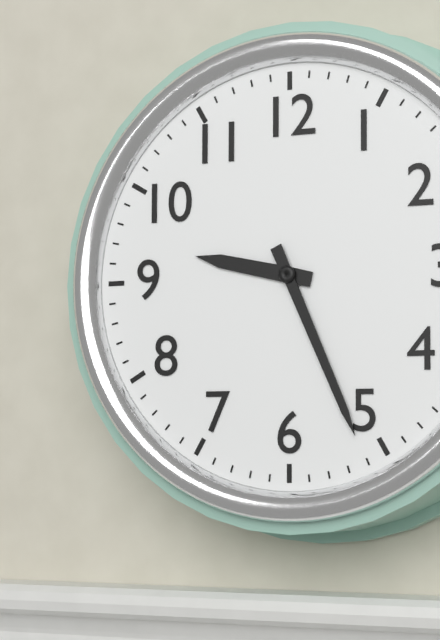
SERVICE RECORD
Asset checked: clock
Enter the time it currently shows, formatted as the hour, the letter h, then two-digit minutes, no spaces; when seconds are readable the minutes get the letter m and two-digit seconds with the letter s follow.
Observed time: 9h26
